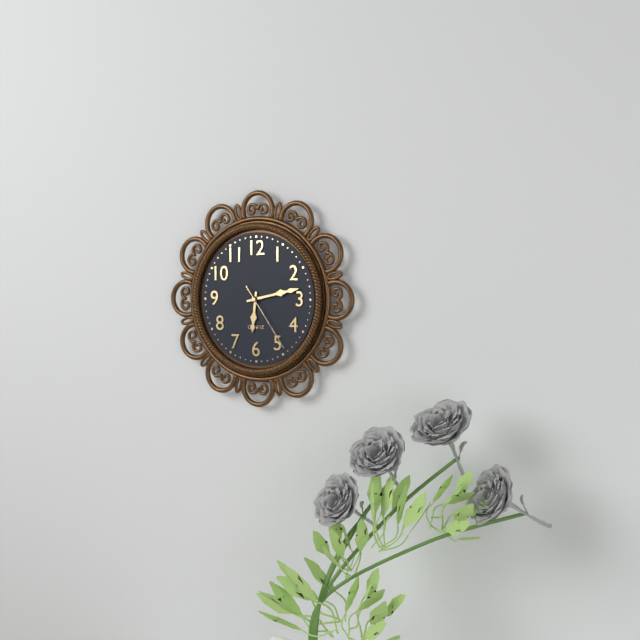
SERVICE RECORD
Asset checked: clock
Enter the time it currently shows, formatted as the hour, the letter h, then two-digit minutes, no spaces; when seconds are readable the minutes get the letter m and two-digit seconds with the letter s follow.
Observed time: 6h13m24s
